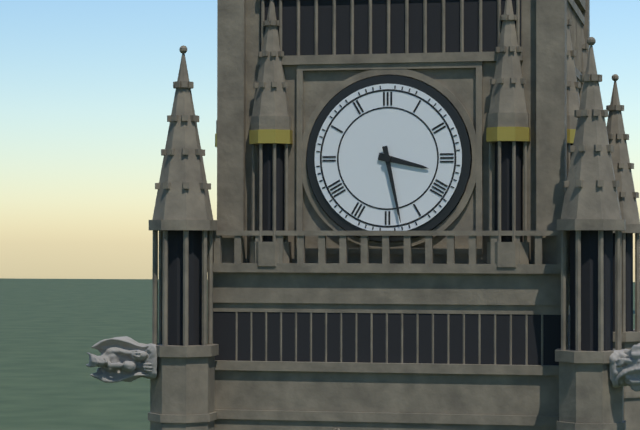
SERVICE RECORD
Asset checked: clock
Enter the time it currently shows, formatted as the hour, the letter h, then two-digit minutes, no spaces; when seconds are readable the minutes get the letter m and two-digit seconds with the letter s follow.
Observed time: 3h28
